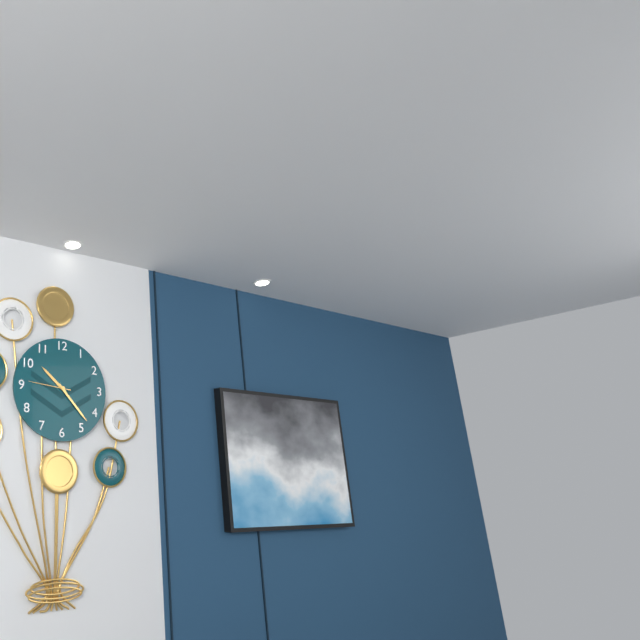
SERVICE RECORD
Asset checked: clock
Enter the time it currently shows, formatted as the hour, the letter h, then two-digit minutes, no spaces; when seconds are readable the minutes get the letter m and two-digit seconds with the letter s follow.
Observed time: 10h23
